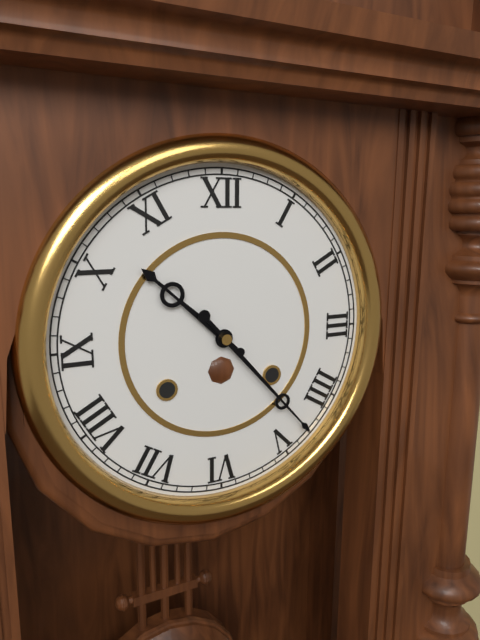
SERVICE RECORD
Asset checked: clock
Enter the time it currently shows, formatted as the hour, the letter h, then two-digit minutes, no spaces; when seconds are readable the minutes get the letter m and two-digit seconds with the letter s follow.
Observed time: 10h23
